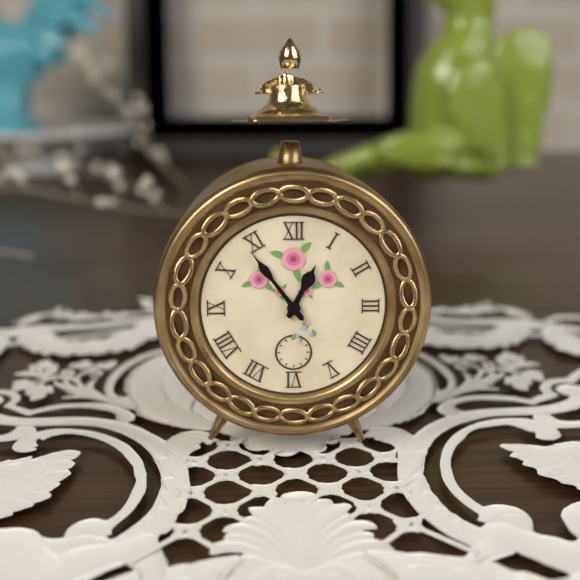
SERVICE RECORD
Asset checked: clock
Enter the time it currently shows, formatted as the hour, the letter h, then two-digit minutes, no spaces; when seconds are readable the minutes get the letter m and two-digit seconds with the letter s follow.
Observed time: 12h54
